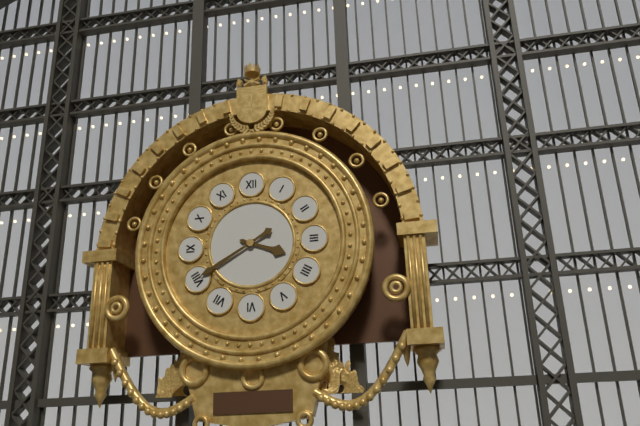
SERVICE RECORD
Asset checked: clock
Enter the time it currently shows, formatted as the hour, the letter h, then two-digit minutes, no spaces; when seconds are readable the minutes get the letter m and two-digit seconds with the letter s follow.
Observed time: 3h40
